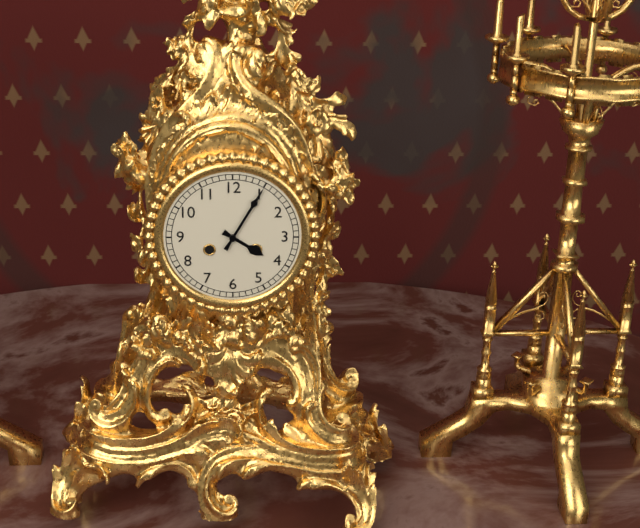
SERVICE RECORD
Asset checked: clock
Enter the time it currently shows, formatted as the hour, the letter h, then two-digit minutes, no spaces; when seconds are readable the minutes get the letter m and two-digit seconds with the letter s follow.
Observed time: 4h05
